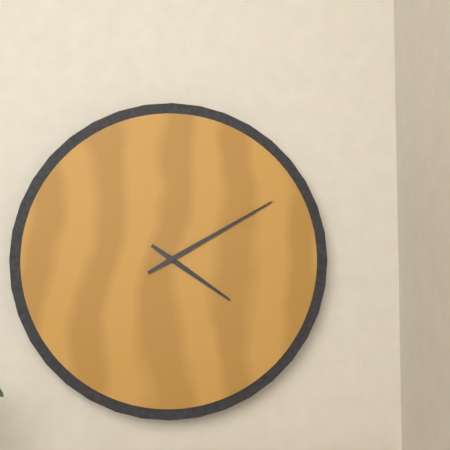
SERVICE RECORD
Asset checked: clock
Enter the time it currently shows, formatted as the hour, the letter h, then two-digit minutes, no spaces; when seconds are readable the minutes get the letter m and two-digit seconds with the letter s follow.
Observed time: 4h10
